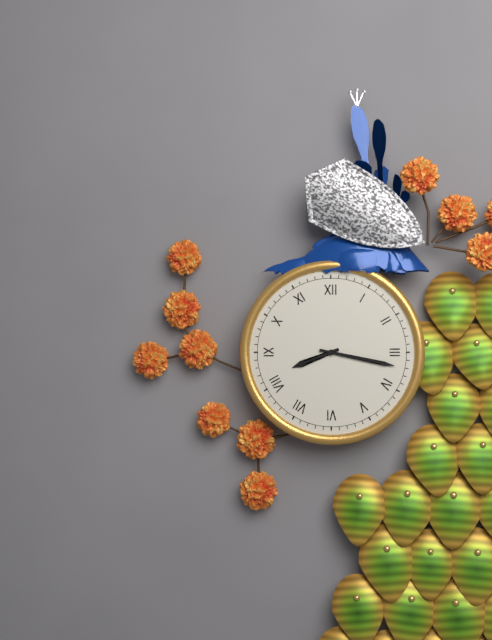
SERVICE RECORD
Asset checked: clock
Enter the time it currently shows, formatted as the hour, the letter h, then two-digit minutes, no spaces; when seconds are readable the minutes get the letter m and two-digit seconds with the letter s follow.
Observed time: 8h17
